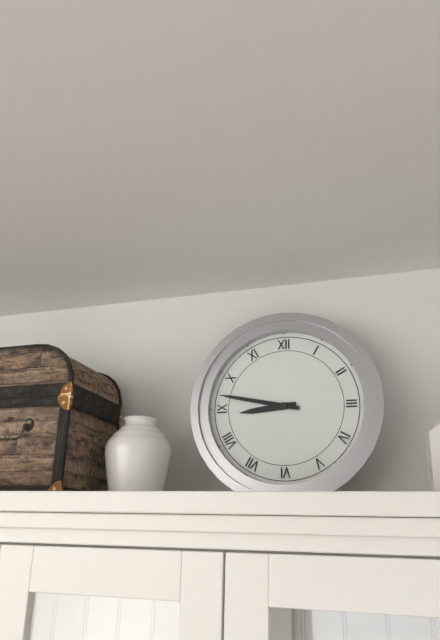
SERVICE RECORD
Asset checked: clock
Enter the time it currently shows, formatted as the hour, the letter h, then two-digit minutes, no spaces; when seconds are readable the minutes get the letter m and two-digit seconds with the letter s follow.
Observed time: 8h47
